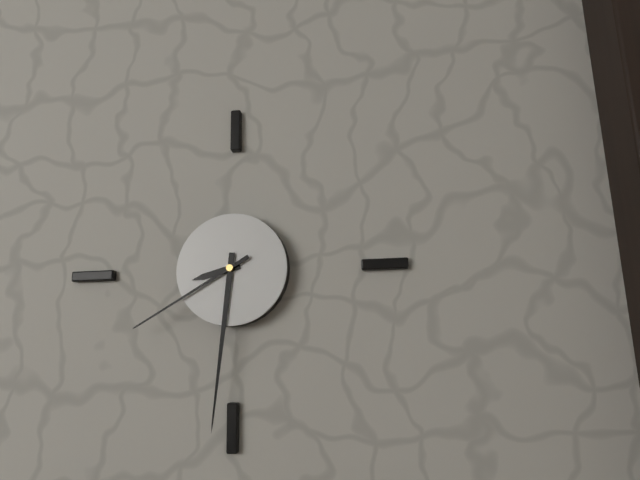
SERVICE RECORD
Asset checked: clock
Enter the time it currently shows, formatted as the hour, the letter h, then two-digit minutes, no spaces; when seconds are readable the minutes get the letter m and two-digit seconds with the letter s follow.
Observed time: 8h31m40s
